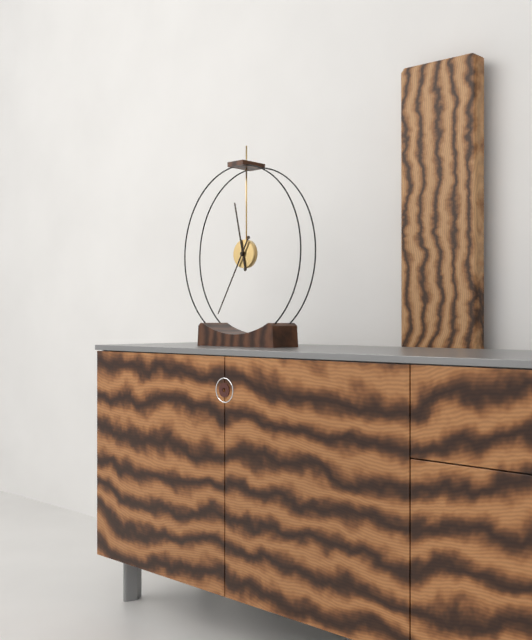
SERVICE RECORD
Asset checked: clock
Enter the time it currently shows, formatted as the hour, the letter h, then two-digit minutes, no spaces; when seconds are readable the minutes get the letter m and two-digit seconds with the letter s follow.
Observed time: 11h35
